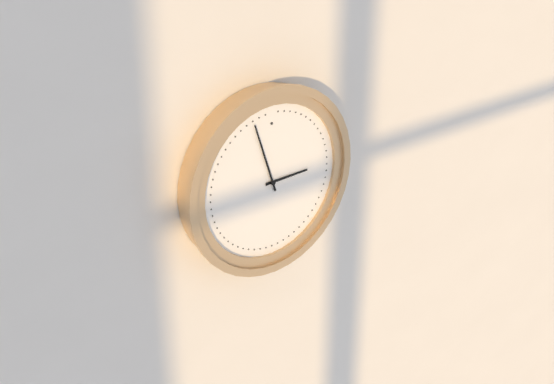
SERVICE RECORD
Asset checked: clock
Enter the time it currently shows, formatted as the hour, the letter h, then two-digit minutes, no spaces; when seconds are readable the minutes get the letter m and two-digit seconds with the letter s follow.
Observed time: 2h57
